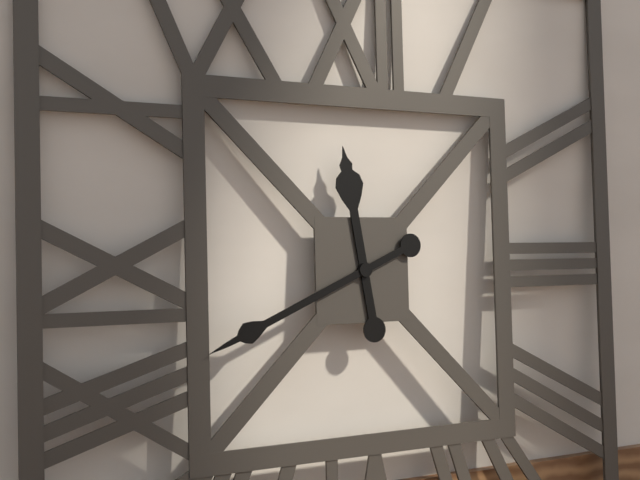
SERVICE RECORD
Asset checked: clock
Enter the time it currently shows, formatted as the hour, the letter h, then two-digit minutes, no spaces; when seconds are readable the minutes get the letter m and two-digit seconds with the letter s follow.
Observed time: 11h41
